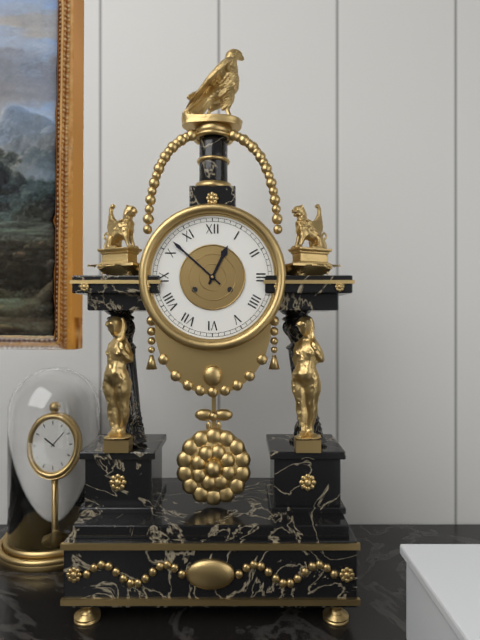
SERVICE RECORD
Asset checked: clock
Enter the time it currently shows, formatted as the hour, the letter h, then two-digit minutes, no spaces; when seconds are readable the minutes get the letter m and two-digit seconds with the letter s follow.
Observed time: 12h52
